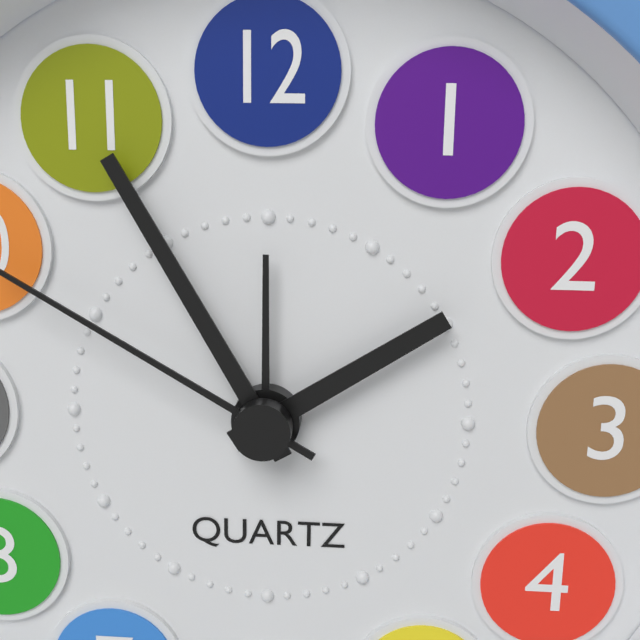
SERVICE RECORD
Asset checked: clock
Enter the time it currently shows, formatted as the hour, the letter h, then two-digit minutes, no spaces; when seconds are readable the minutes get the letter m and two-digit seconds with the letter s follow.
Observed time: 1h55
